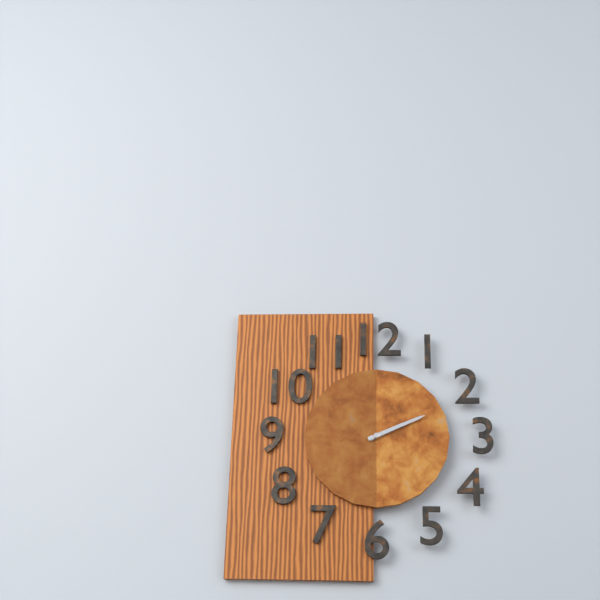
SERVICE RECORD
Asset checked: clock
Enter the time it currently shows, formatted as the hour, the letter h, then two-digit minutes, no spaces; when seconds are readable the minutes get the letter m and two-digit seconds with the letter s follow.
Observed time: 2h11
